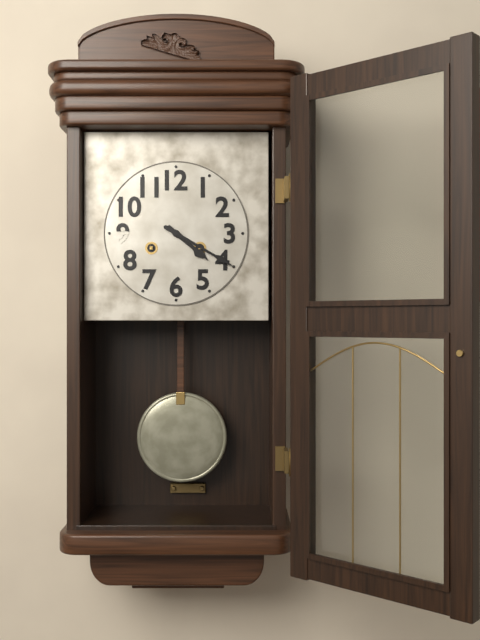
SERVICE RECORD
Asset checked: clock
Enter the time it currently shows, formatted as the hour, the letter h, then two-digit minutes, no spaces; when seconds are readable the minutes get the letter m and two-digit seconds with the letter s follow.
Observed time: 4h20
